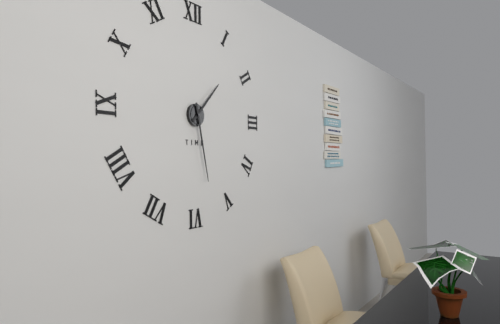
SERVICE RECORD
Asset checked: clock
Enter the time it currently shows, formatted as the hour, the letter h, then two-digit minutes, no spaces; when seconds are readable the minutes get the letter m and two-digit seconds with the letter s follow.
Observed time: 1h28
